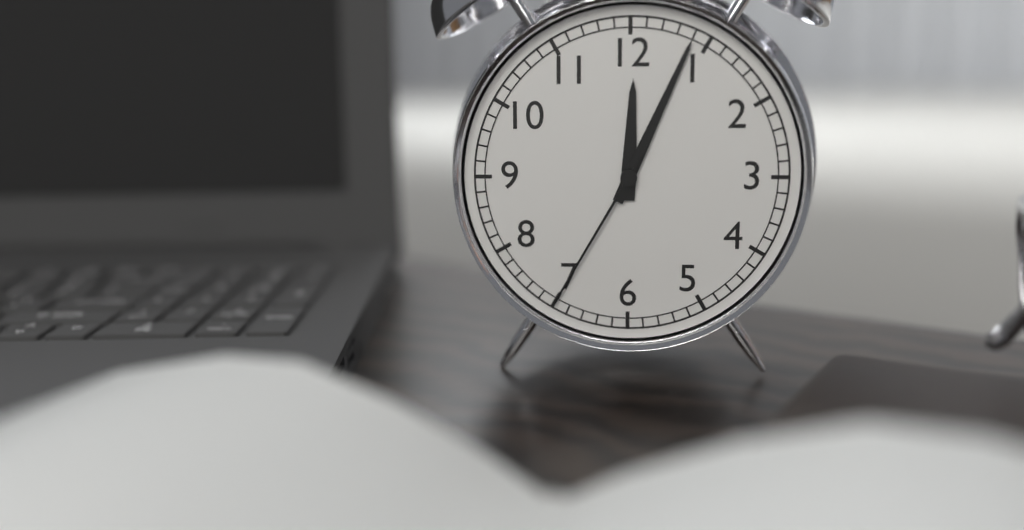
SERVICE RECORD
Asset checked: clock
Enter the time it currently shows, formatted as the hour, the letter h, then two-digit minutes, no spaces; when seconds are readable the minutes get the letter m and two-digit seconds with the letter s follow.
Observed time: 12h04m35s
